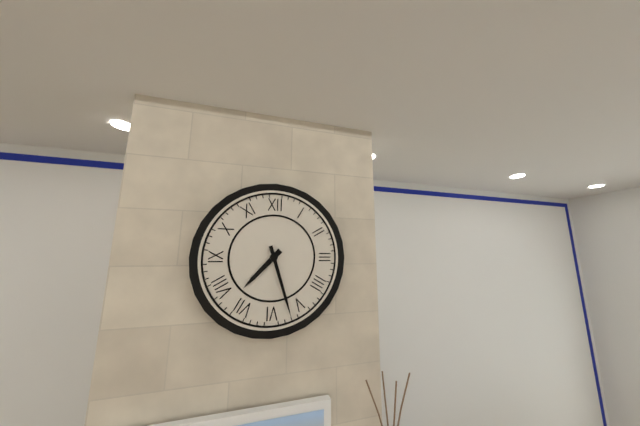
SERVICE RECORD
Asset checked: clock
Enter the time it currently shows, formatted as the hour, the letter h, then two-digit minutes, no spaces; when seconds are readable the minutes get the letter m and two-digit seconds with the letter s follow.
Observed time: 7h27
